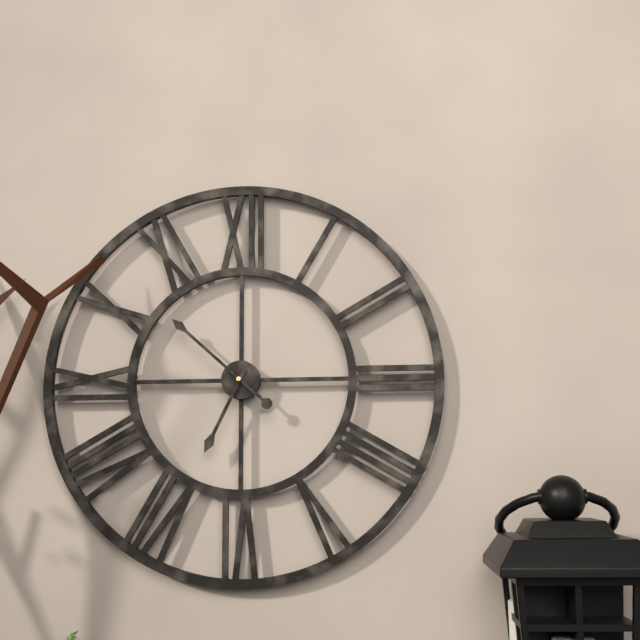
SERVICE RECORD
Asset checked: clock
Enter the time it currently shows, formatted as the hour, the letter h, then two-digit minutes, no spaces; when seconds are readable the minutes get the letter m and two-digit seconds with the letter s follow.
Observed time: 6h52
